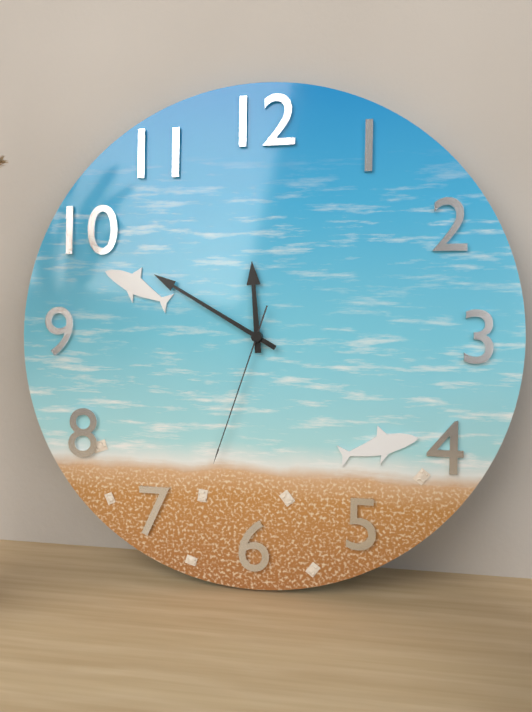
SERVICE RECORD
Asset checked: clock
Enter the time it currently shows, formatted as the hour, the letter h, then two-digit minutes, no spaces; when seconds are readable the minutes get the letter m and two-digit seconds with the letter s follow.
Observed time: 11h50m33s
